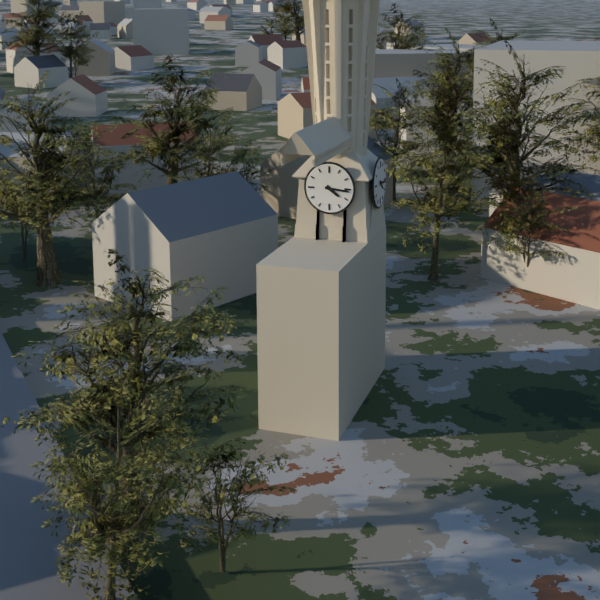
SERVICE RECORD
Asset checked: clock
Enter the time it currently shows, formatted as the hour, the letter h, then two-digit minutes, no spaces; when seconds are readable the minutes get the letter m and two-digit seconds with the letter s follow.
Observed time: 4h16
